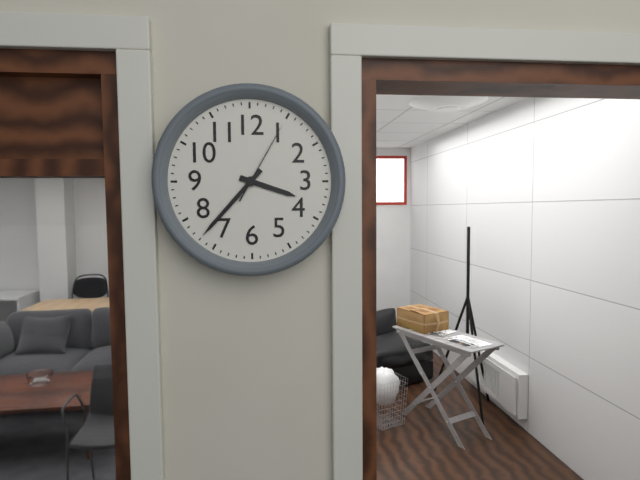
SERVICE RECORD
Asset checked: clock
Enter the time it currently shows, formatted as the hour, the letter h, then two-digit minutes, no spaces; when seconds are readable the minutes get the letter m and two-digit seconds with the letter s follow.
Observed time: 3h37m05s
